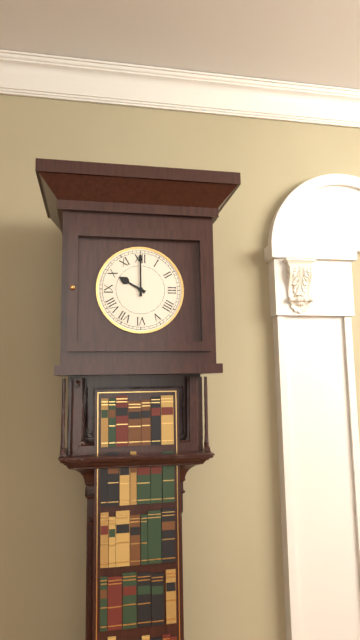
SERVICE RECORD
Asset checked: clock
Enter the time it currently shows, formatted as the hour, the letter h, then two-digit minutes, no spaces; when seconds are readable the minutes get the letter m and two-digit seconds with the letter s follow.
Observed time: 10h00
